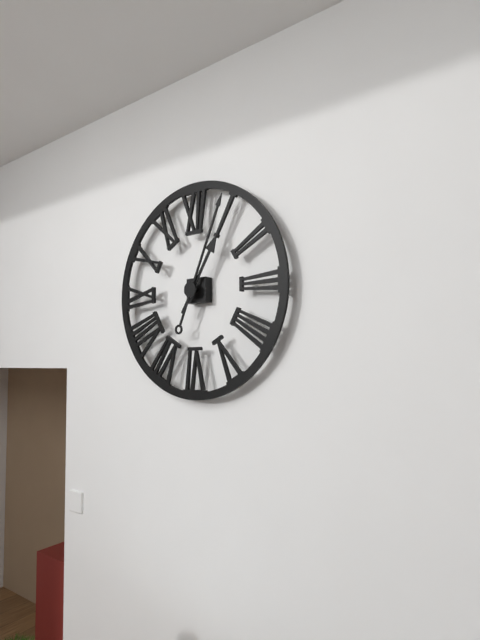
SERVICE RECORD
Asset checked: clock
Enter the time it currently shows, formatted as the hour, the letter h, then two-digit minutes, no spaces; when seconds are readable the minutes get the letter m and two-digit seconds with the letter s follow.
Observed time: 1h04
